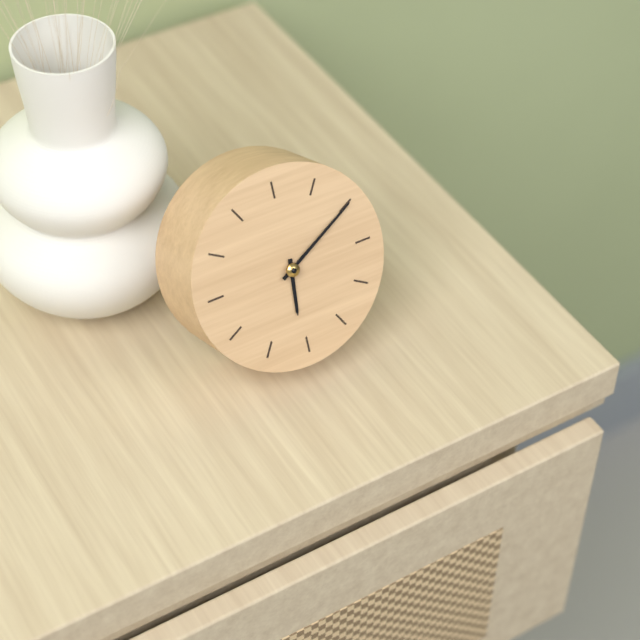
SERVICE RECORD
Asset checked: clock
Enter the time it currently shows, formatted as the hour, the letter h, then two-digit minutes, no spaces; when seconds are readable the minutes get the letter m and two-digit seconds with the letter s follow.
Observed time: 6h10
